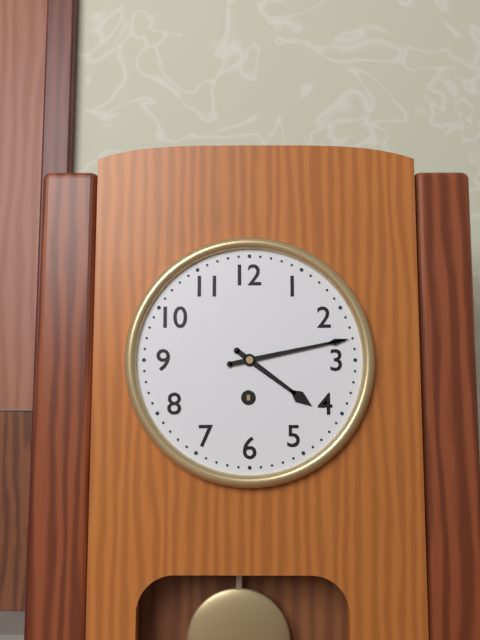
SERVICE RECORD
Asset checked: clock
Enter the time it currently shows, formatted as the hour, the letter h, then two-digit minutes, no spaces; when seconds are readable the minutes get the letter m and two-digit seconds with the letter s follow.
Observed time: 4h13
